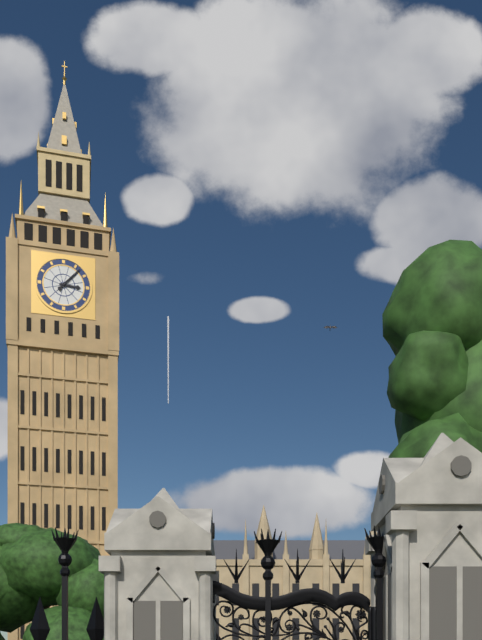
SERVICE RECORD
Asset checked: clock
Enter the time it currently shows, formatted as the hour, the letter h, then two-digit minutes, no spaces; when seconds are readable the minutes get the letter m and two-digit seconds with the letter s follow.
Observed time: 3h07
